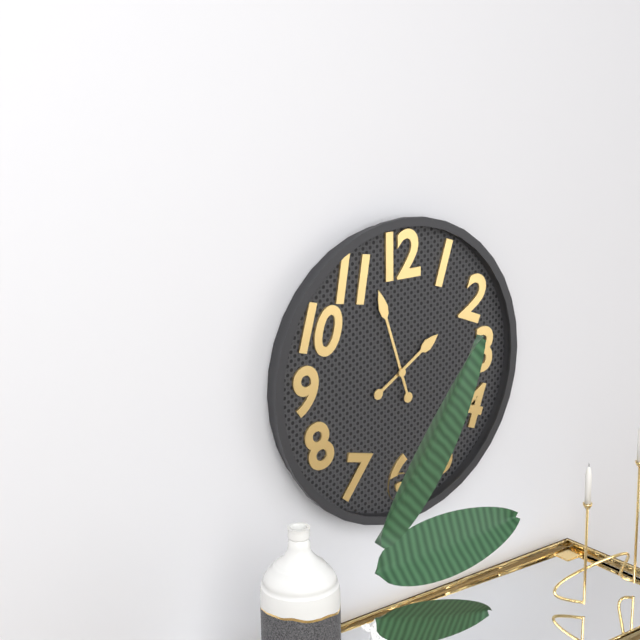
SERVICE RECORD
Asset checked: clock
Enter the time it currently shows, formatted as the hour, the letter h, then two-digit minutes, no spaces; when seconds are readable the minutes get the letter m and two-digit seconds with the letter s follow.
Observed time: 1h57
